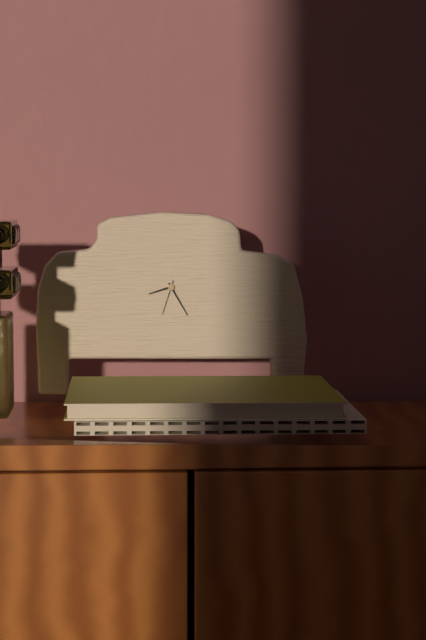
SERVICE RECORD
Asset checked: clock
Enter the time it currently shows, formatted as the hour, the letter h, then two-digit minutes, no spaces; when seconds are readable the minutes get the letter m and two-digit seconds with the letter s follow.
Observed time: 8h25
